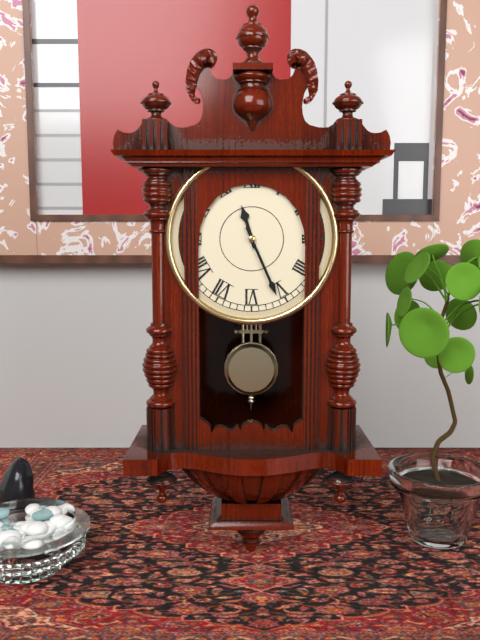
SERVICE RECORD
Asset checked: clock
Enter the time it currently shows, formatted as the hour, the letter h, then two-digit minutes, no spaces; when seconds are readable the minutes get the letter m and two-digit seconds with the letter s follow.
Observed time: 11h26
